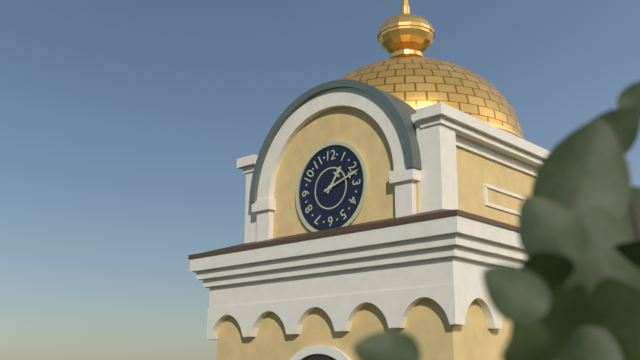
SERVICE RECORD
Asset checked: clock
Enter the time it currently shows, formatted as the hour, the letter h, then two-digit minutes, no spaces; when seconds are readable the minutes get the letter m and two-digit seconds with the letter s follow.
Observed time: 1h12
